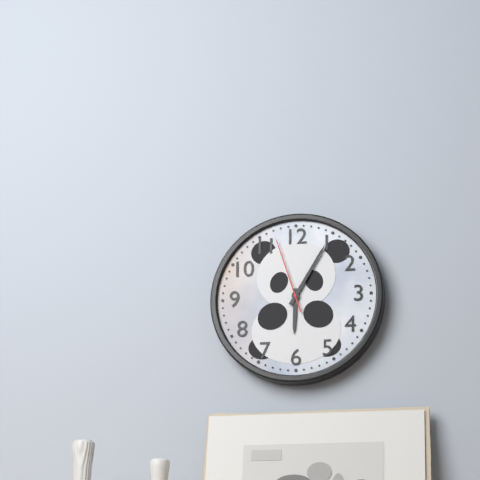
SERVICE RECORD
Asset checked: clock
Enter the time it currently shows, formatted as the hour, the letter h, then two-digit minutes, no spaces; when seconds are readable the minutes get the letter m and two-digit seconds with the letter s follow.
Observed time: 6h05m57s
